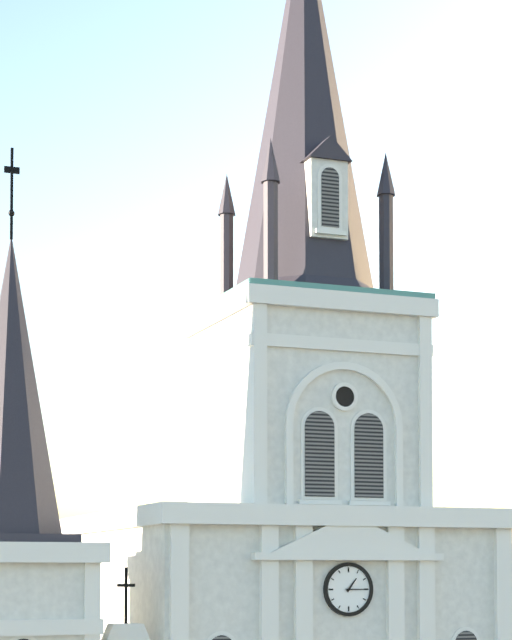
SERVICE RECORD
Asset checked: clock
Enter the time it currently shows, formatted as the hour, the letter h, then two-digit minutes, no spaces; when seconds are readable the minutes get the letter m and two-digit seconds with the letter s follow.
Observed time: 1h15
